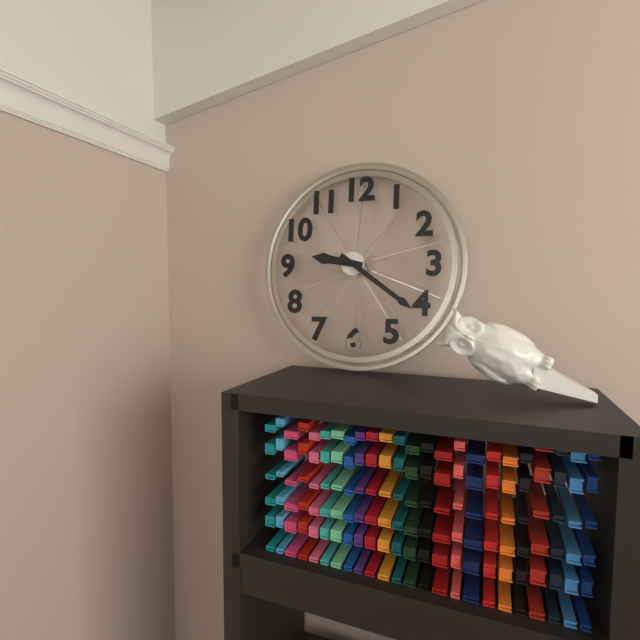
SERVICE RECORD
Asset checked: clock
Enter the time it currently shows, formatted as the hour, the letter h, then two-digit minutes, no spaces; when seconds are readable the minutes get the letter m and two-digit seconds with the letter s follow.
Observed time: 9h21
